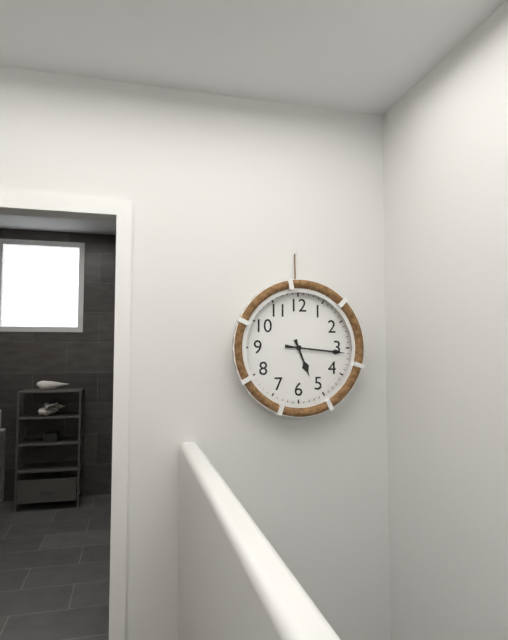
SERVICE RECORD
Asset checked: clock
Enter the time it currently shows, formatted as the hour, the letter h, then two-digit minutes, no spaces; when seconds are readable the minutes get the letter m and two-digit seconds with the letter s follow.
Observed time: 5h16
